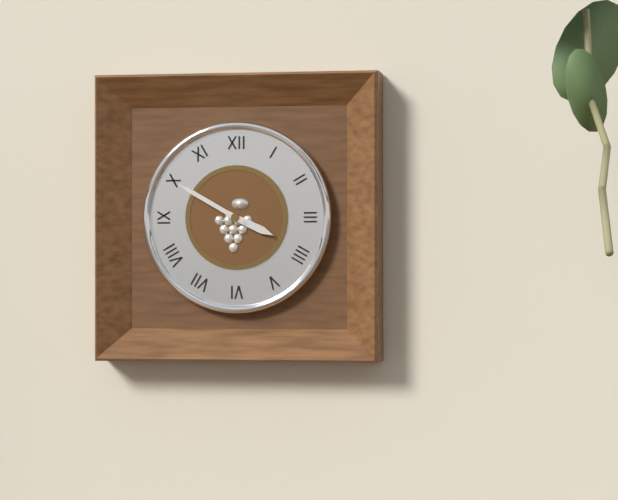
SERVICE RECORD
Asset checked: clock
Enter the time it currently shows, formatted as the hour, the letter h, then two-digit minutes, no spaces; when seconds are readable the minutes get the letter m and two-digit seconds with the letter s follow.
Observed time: 3h50
